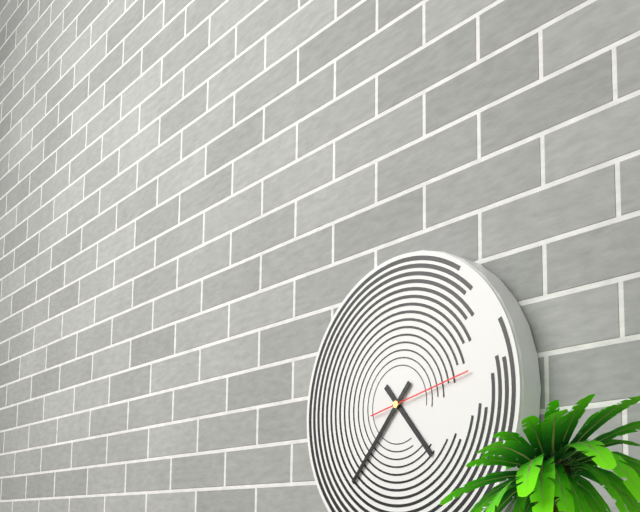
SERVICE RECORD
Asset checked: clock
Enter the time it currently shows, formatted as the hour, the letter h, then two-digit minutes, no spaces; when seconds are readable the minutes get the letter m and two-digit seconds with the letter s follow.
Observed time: 4h37m13s
